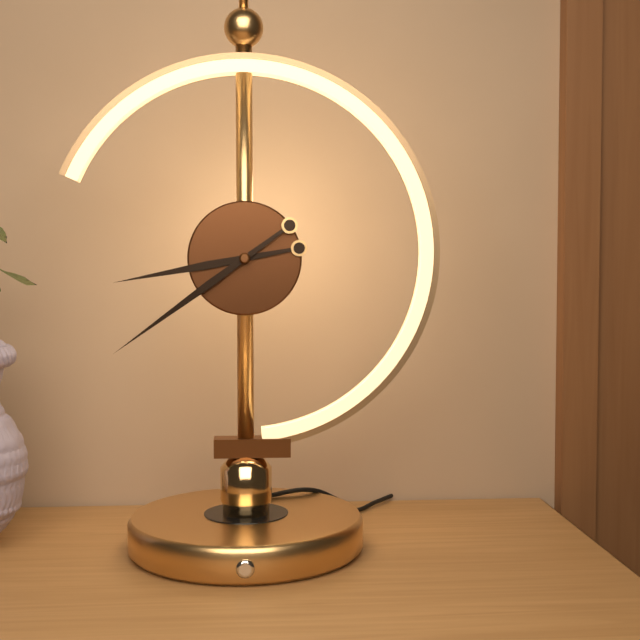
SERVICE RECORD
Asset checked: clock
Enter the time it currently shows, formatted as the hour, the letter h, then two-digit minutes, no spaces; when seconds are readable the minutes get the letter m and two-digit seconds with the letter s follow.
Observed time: 8h39
